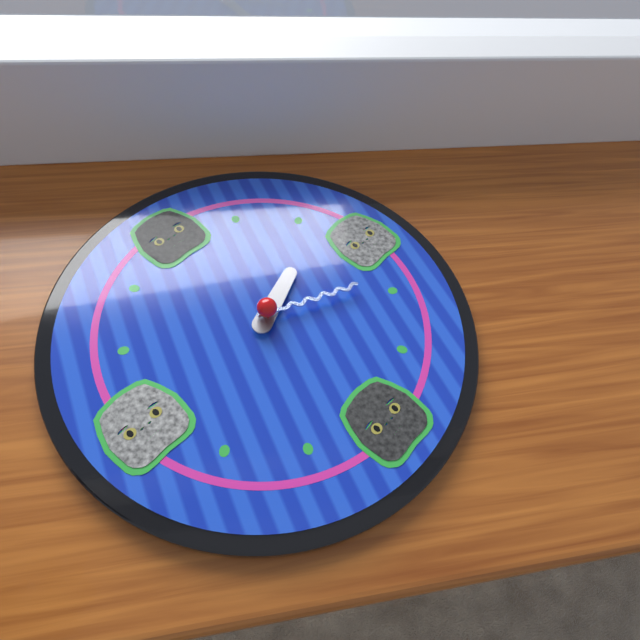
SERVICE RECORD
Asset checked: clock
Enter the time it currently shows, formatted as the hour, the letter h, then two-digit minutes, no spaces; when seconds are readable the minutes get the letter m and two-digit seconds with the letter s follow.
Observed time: 2h19
